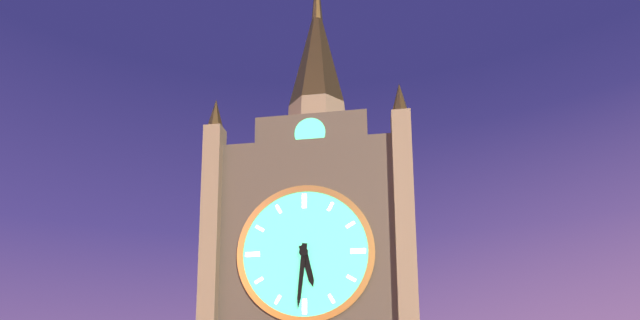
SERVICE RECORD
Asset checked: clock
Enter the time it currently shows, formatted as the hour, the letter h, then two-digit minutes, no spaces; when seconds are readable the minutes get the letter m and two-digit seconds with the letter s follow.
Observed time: 5h31
